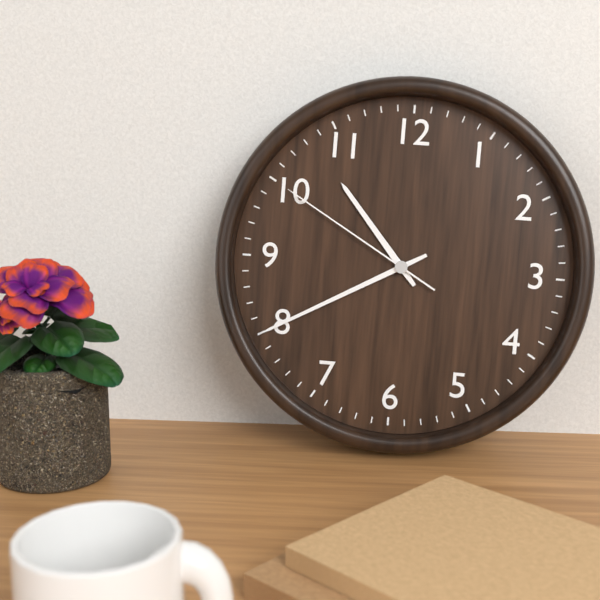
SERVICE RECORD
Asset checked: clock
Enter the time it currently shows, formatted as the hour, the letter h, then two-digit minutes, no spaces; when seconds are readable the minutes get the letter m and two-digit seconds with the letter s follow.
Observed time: 10h40m50s
